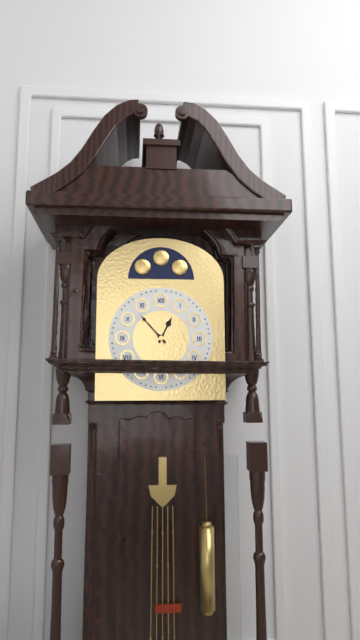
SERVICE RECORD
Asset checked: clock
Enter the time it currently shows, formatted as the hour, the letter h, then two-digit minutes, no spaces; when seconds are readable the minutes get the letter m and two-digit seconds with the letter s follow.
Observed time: 12h53
